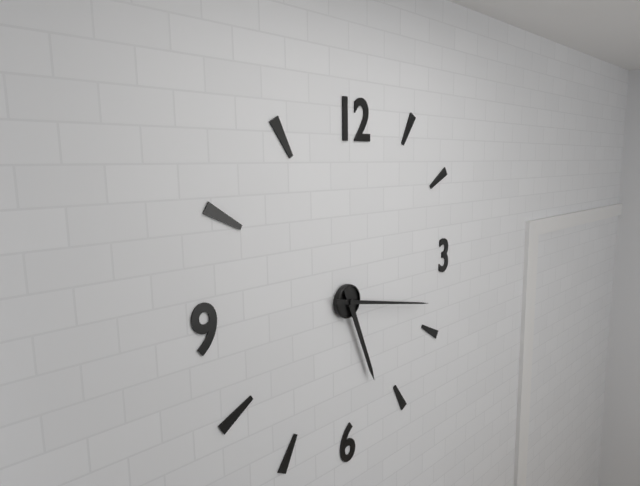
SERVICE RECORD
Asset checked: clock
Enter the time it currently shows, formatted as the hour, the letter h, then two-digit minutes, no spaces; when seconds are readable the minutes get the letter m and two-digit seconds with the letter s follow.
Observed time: 5h17
